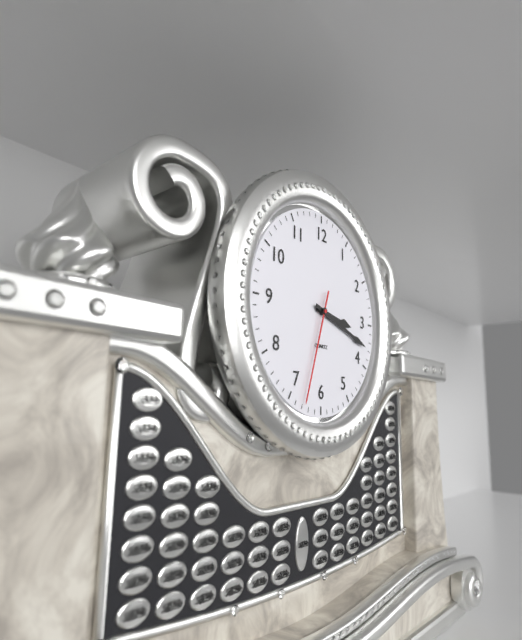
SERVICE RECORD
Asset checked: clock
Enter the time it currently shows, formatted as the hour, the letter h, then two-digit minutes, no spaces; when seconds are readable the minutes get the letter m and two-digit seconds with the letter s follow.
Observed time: 3h18m33s
